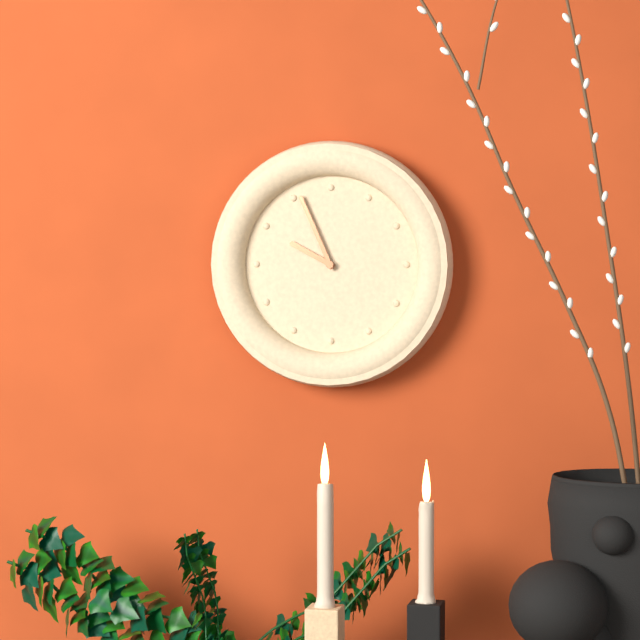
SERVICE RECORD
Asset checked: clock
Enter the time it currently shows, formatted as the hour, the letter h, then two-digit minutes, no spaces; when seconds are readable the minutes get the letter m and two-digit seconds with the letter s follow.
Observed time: 9h56
